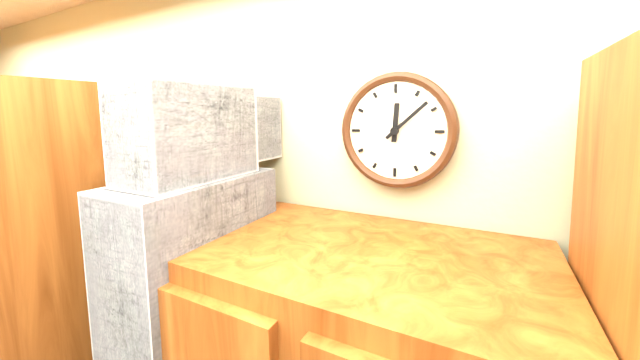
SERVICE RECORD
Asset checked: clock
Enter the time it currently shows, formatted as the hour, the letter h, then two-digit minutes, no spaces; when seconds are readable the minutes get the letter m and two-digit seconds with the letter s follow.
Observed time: 12h08
